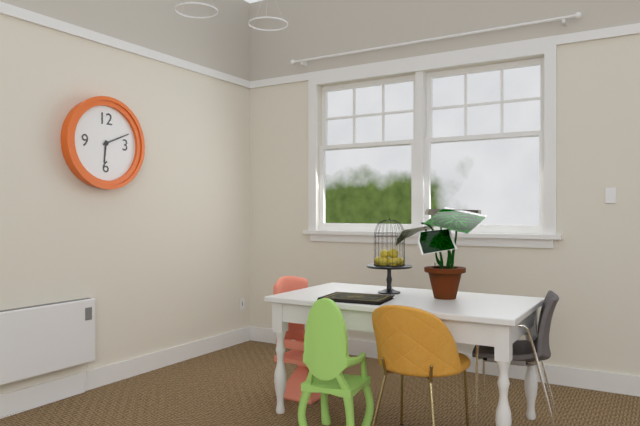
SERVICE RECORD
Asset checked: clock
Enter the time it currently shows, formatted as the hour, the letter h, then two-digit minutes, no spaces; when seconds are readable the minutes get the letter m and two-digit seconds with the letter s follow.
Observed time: 6h11
